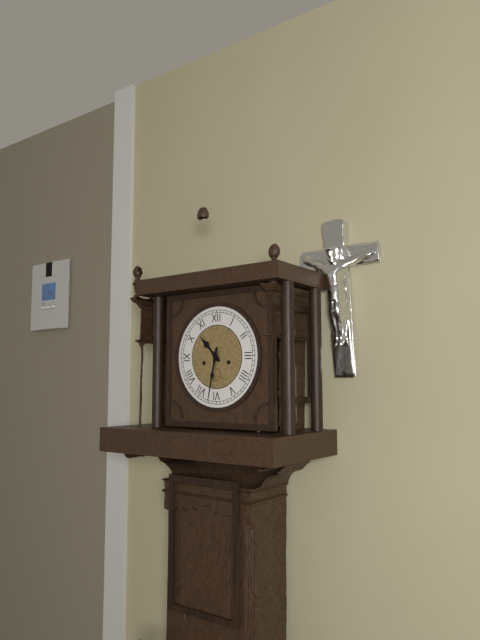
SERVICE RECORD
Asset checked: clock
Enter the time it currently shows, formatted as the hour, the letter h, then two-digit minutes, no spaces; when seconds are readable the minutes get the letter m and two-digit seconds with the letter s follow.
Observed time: 10h32
